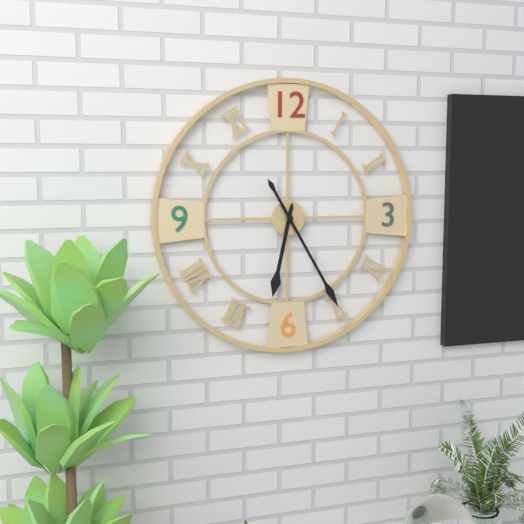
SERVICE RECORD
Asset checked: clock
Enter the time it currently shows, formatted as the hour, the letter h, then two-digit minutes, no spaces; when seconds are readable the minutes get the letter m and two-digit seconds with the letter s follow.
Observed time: 6h25
